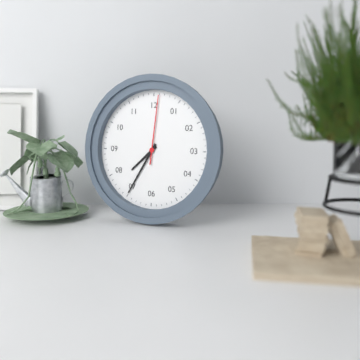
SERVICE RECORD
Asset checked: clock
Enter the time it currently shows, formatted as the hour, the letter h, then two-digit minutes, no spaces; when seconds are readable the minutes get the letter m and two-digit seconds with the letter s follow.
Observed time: 7h35m01s
